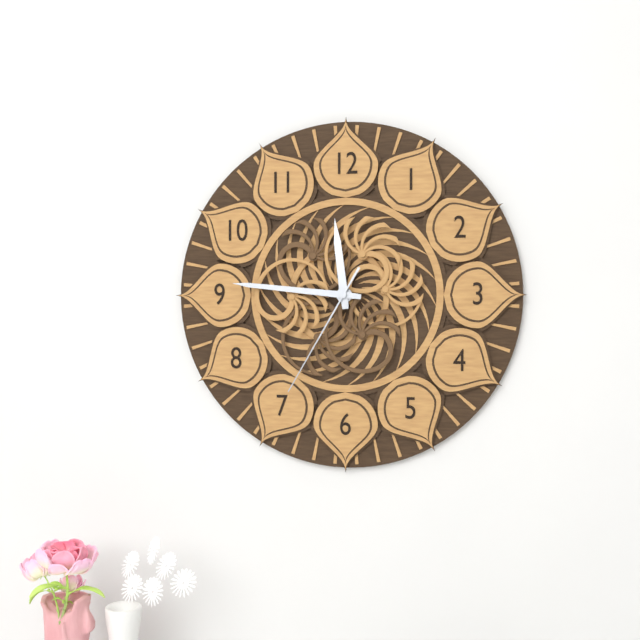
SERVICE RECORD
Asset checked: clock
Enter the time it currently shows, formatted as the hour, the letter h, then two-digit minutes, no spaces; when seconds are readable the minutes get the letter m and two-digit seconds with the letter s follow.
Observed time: 11h46m35s
